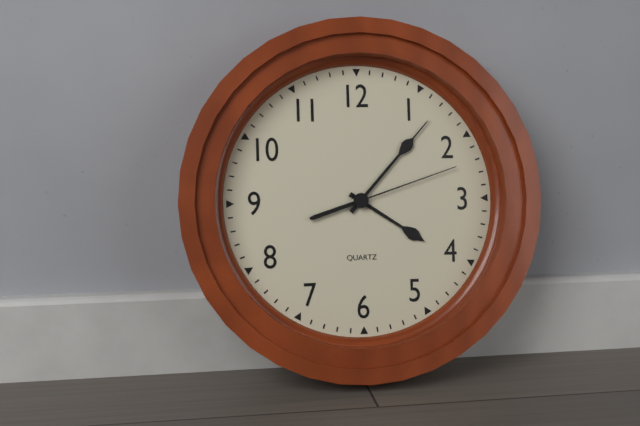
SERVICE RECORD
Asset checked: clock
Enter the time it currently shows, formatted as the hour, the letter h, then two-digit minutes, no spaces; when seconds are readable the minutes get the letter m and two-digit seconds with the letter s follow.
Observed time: 4h07m12s
